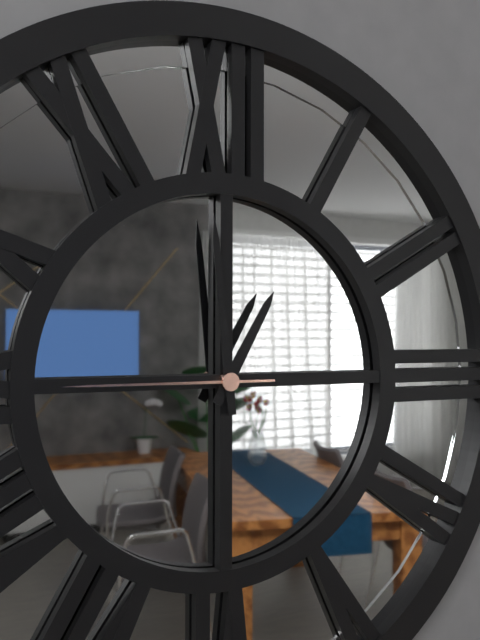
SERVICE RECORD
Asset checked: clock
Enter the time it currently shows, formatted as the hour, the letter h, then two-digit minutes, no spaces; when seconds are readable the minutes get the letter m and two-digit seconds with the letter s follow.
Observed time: 12h59m45s
